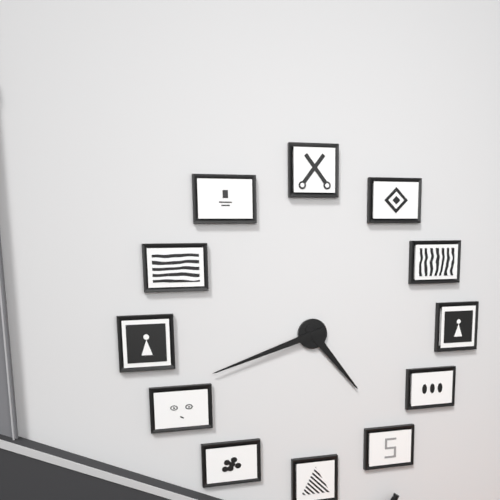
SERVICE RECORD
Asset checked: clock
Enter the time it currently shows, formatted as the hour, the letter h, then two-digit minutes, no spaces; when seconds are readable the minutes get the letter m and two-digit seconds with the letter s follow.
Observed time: 4h42
